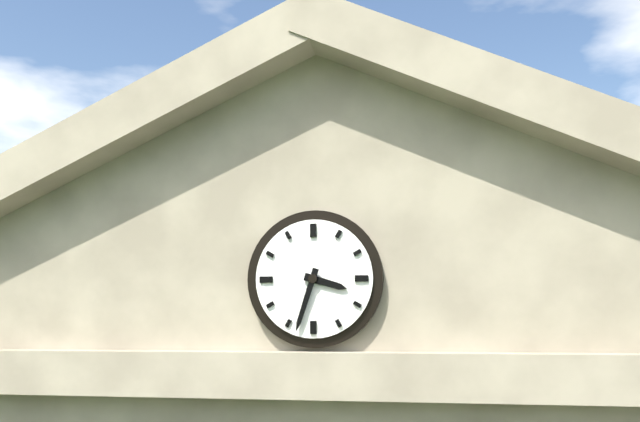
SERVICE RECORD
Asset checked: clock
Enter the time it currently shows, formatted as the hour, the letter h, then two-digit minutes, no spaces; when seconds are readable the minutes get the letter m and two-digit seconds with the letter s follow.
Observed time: 3h33
